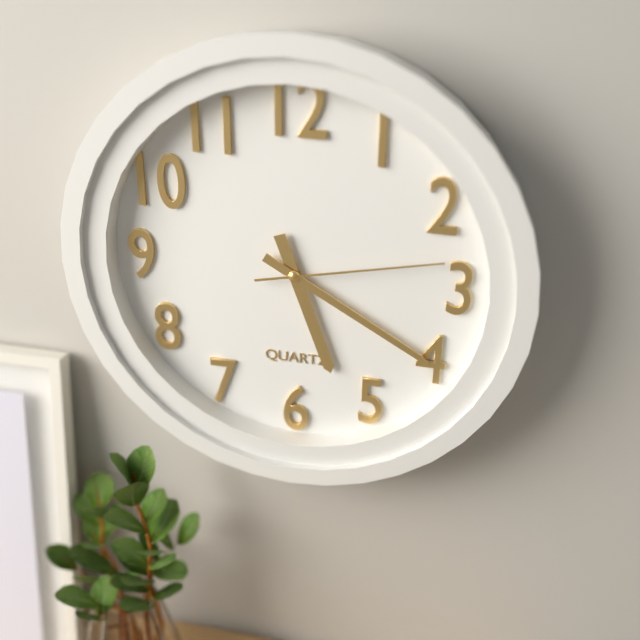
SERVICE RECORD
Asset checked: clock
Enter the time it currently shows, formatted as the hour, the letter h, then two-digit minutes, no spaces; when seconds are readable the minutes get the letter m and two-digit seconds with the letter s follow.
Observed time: 5h20m13s
